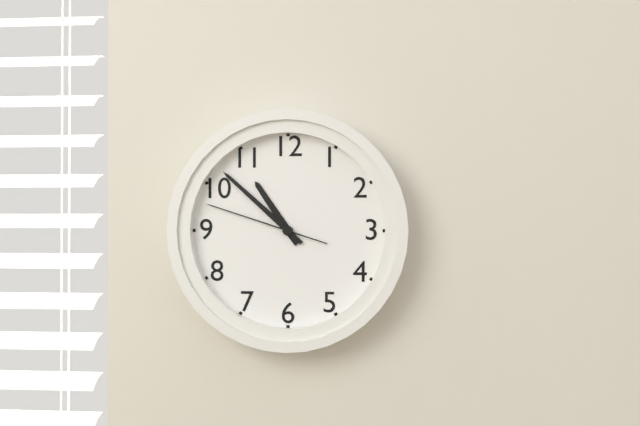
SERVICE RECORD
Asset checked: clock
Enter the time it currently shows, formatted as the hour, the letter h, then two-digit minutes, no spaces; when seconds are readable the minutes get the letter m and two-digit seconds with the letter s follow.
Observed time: 10h52m48s
